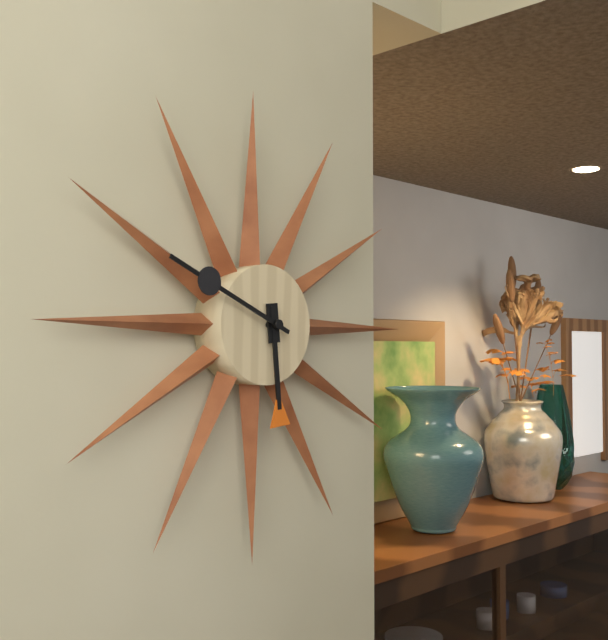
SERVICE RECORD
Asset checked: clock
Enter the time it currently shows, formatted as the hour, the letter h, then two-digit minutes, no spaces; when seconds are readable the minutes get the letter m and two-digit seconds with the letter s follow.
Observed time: 5h49
